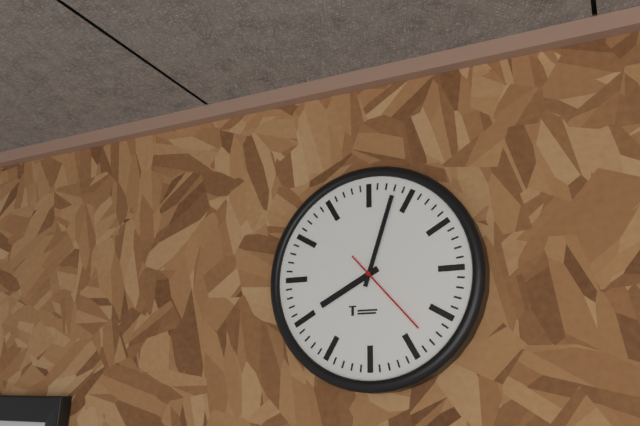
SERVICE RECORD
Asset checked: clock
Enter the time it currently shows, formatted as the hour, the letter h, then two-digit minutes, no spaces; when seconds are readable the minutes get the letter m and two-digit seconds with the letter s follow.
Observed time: 8h03m23s
